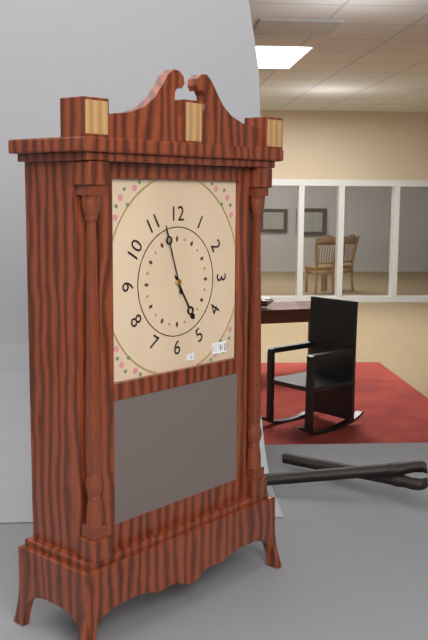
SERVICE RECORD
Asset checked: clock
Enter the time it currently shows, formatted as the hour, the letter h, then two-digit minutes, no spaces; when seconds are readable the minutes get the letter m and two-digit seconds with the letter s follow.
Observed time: 4h57
